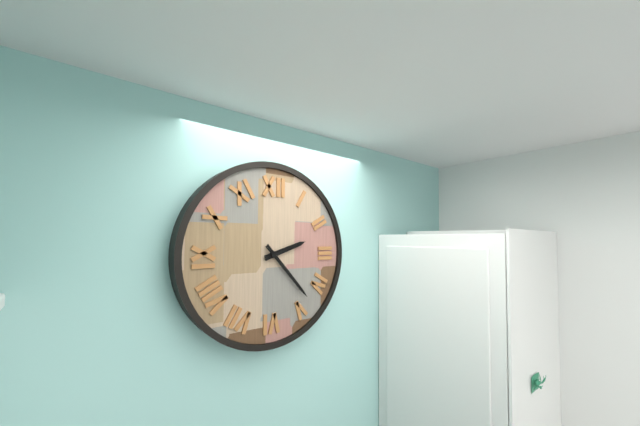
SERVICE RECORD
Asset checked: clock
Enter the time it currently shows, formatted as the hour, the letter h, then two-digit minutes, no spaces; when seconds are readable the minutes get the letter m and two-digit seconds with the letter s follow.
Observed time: 2h23
